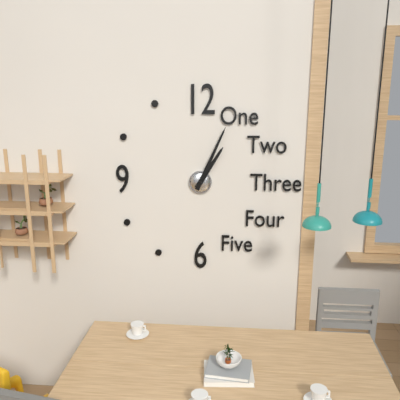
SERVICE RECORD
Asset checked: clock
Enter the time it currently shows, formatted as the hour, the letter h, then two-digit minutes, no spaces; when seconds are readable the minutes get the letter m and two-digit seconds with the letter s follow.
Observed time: 1h04
